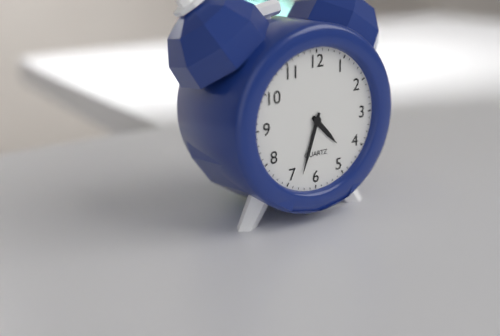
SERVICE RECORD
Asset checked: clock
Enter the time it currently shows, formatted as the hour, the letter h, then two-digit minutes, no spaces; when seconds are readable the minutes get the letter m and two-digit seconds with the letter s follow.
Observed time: 4h33
